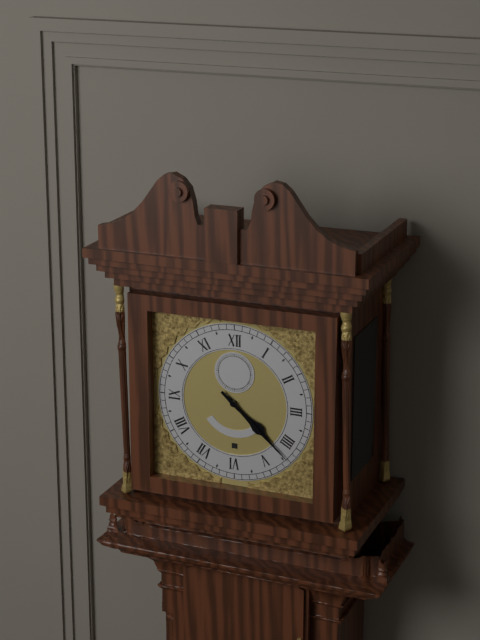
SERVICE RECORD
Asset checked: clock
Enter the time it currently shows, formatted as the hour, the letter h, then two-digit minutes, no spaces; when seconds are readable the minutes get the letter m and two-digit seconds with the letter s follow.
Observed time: 4h22
